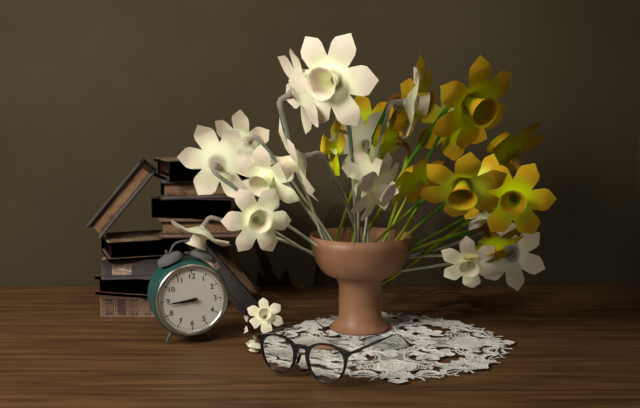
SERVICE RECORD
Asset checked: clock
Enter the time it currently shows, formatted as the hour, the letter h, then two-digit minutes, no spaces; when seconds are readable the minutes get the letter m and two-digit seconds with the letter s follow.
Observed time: 8h44
